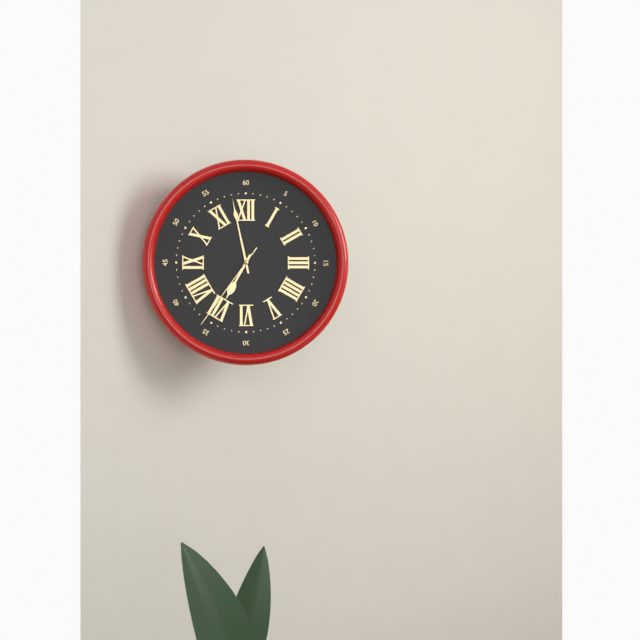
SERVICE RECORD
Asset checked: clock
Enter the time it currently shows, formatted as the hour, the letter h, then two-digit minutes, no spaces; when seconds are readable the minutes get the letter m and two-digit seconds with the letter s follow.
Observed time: 6h58m36s
